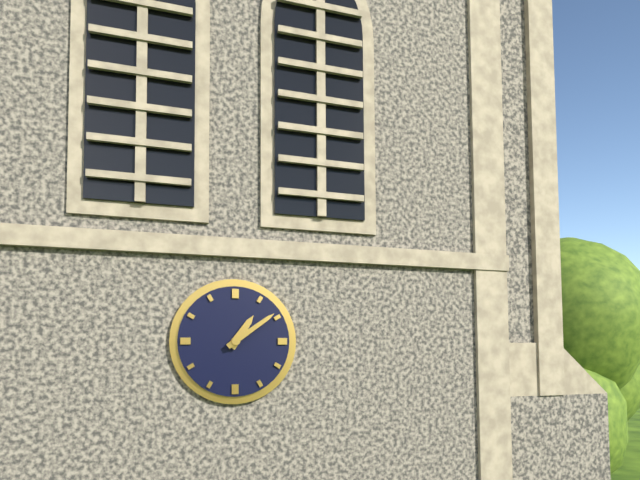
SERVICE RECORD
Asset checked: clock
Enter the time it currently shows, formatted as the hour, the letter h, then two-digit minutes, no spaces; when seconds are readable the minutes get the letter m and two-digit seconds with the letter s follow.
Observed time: 1h09
